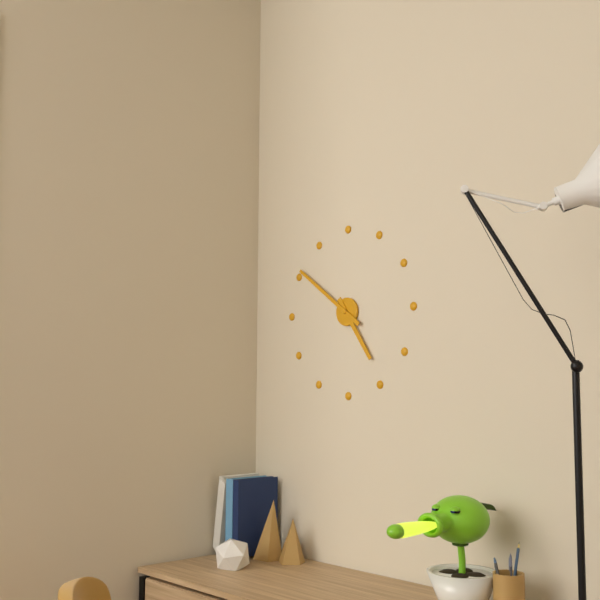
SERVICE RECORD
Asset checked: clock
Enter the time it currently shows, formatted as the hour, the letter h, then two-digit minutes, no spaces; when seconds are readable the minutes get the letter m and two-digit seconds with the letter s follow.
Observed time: 4h51
